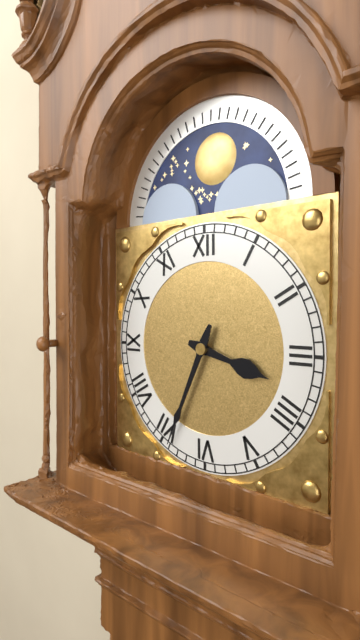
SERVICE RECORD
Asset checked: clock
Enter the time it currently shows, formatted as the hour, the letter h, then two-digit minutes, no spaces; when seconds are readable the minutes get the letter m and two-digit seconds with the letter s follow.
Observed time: 3h34
